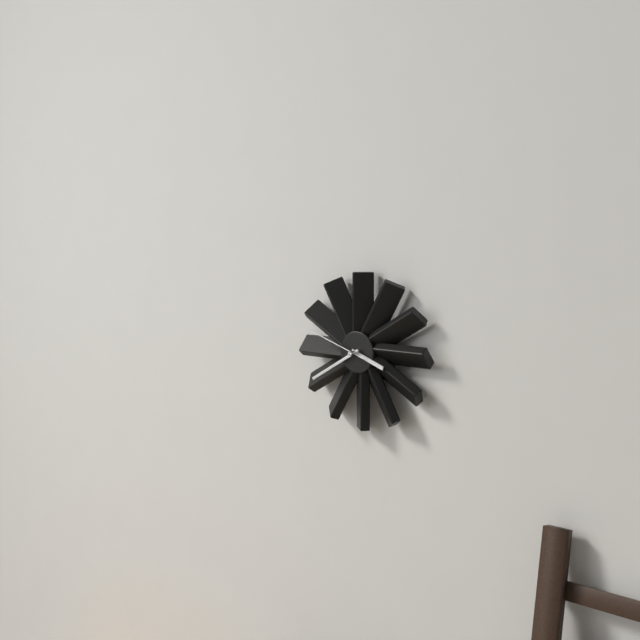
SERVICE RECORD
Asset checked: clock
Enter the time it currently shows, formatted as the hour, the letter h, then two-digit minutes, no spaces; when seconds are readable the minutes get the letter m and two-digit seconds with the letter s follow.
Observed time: 3h40m48s
